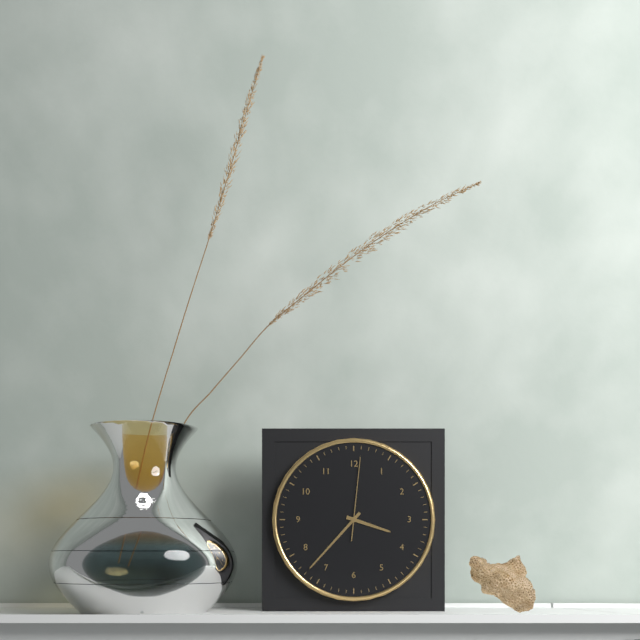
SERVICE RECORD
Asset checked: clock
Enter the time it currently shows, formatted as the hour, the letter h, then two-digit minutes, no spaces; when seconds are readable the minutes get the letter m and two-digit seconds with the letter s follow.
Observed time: 3h37m01s
